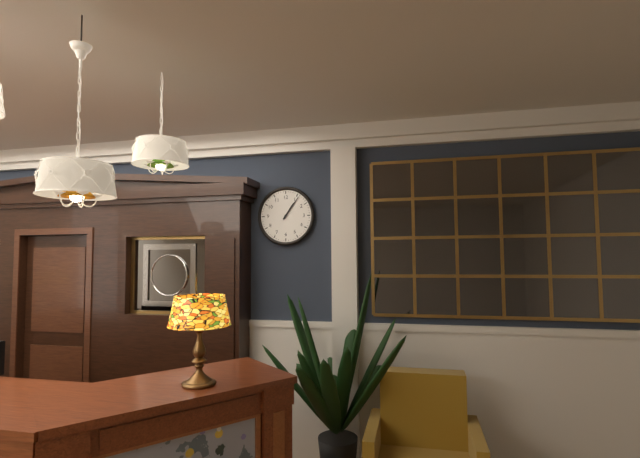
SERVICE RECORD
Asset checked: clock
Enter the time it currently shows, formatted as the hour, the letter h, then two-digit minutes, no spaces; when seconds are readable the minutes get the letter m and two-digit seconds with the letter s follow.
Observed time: 1h06
